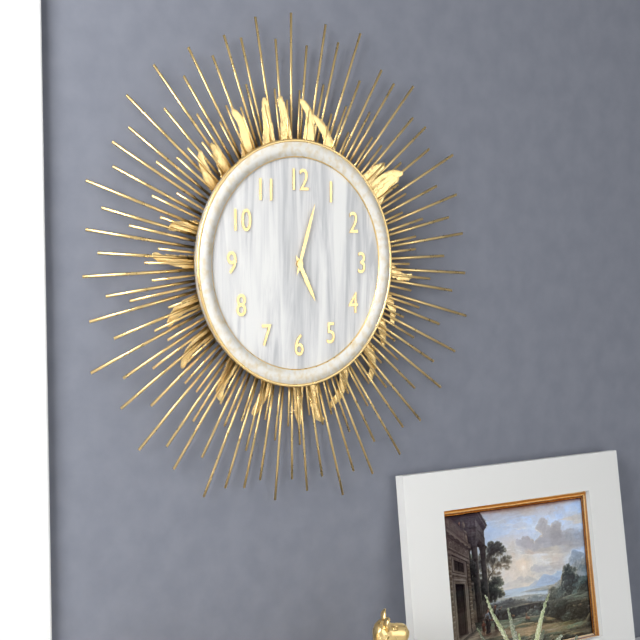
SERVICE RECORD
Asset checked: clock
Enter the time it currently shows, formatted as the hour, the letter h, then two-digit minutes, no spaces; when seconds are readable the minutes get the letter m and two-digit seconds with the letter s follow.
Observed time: 5h03
